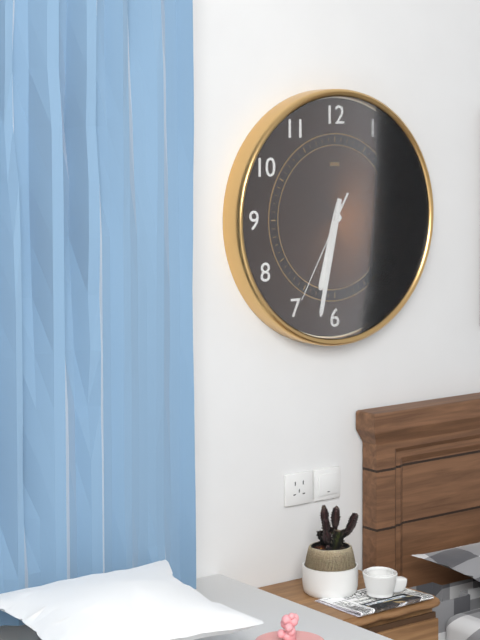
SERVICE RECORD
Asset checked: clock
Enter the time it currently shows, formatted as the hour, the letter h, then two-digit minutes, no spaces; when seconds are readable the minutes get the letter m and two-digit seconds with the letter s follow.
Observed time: 6h32m35s
